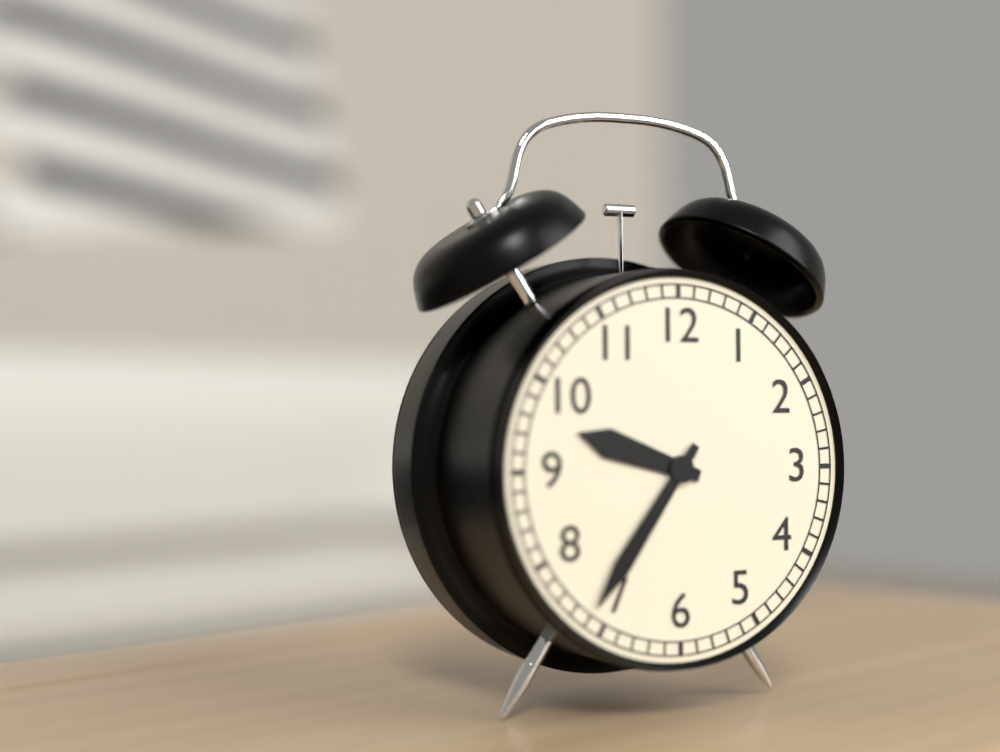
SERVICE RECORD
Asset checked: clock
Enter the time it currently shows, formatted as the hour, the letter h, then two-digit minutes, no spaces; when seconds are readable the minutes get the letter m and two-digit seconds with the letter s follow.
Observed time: 9h36
